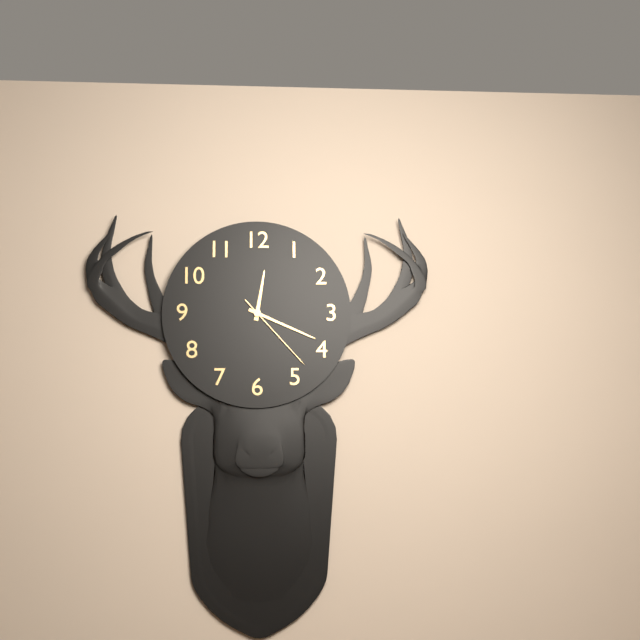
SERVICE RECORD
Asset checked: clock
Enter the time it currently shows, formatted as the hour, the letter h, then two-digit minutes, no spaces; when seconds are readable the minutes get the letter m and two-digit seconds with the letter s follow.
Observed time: 12h19m23s
